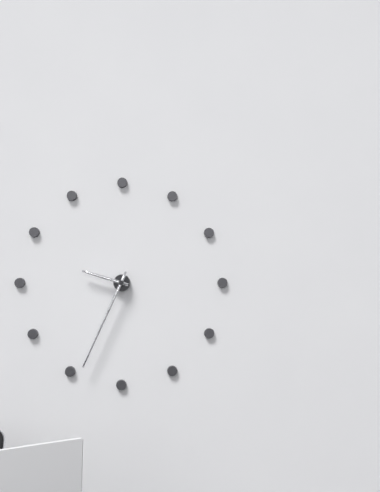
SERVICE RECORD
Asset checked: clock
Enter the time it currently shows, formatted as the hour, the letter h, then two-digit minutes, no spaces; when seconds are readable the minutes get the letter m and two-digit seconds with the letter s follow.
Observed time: 9h34
